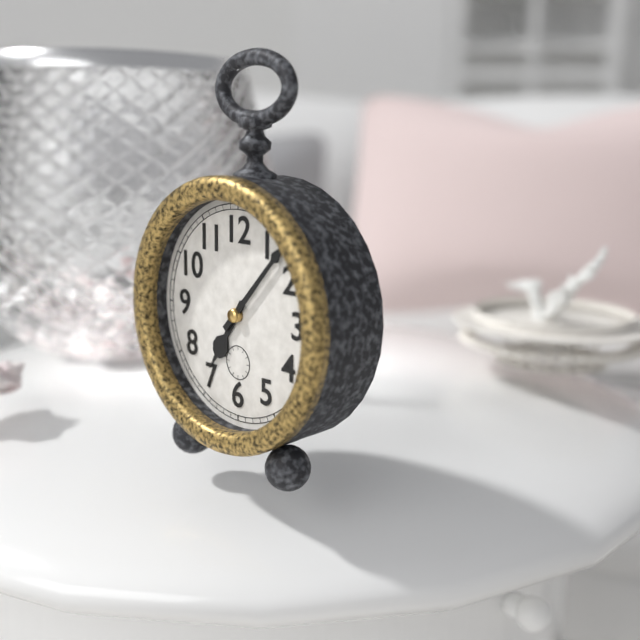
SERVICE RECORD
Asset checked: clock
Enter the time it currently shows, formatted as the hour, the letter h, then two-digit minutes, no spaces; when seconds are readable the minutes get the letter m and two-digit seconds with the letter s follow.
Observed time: 7h07
